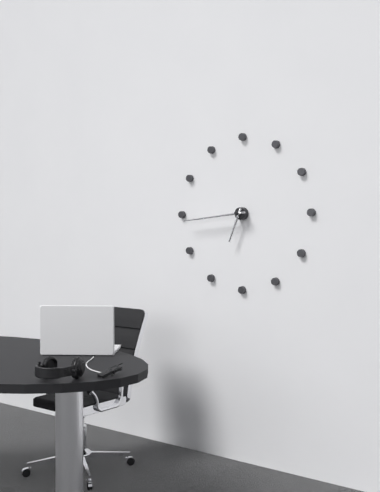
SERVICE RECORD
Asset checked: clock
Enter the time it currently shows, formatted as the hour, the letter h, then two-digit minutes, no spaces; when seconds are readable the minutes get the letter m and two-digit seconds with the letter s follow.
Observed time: 6h44
